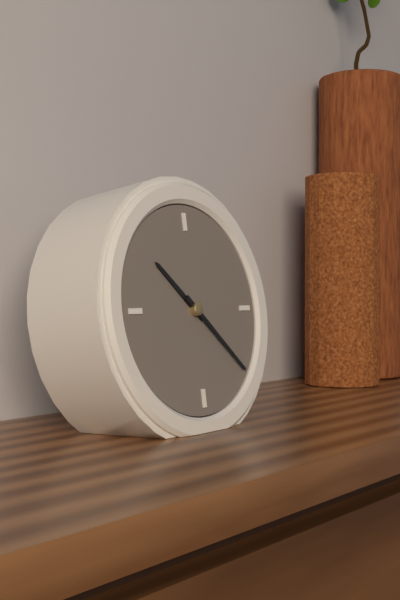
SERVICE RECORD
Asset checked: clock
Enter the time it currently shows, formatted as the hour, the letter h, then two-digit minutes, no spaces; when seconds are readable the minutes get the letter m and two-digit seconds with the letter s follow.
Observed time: 10h22
